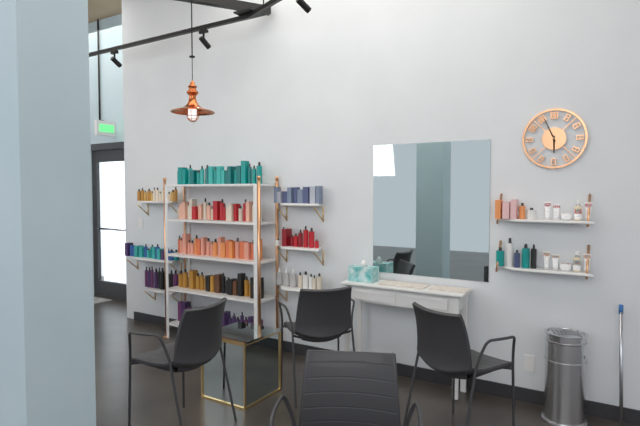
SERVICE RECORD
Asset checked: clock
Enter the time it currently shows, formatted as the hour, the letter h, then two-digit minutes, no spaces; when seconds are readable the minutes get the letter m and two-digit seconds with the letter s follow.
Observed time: 5h56
